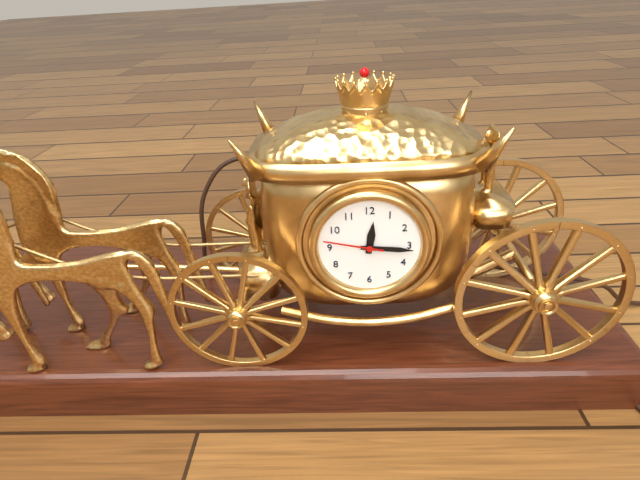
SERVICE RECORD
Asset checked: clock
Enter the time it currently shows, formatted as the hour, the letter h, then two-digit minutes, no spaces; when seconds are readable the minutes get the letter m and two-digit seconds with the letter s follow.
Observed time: 12h16m47s
